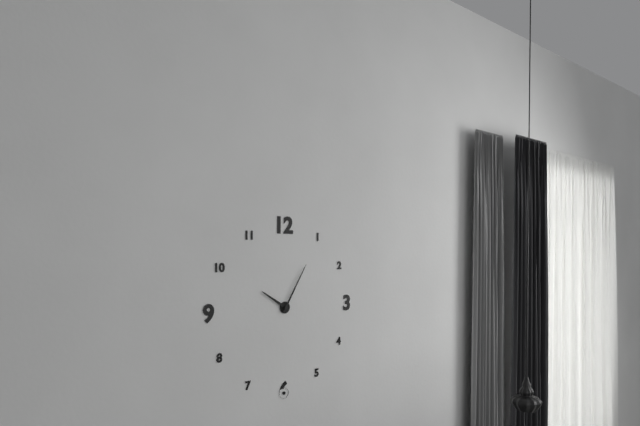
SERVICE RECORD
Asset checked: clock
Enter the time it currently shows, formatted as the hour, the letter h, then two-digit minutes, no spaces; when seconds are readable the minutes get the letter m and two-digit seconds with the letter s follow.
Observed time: 10h05
